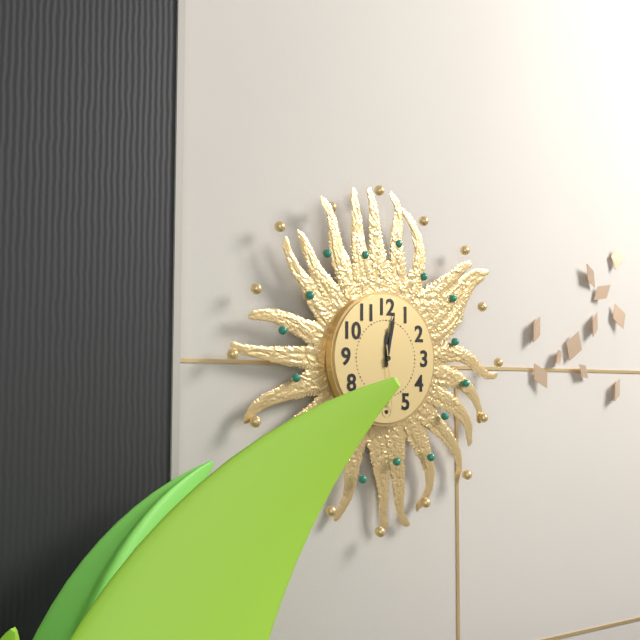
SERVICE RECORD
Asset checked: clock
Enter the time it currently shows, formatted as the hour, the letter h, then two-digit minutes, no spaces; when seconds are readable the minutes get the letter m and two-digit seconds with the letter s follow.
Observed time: 12h02m29s
